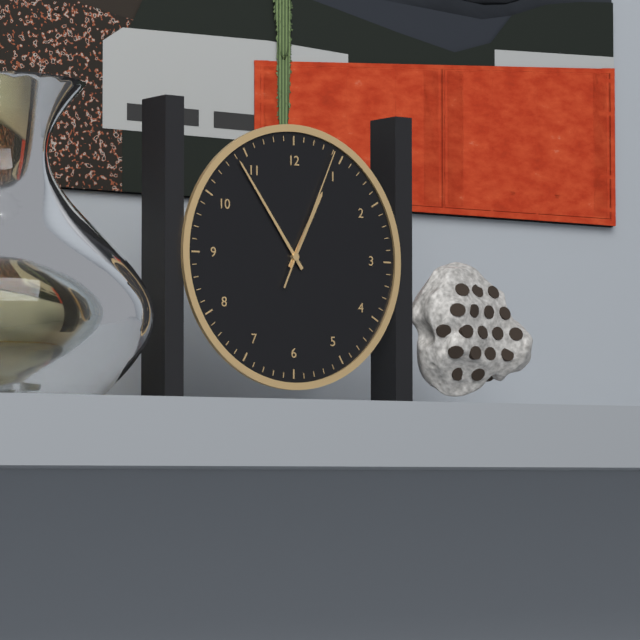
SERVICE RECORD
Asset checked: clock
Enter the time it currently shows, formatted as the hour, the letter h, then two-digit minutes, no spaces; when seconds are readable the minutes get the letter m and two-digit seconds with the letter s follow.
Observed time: 12h54m04s
